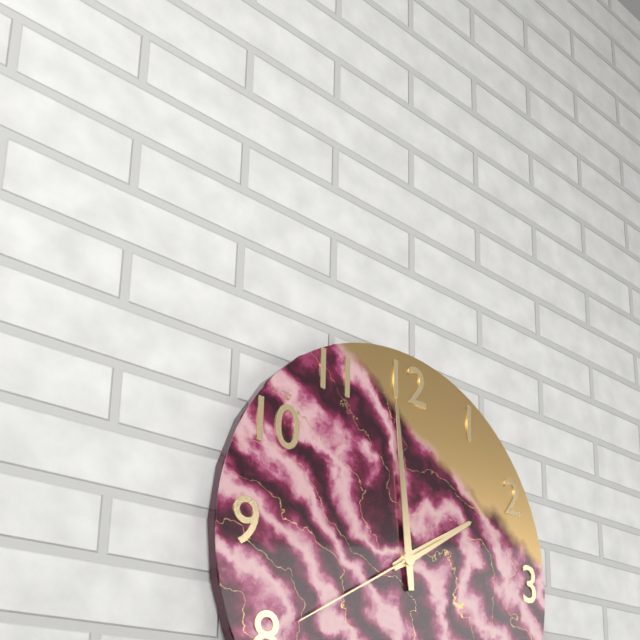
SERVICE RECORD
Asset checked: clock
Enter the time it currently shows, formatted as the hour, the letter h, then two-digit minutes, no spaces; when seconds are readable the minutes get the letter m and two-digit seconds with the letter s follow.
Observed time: 1h59m40s
